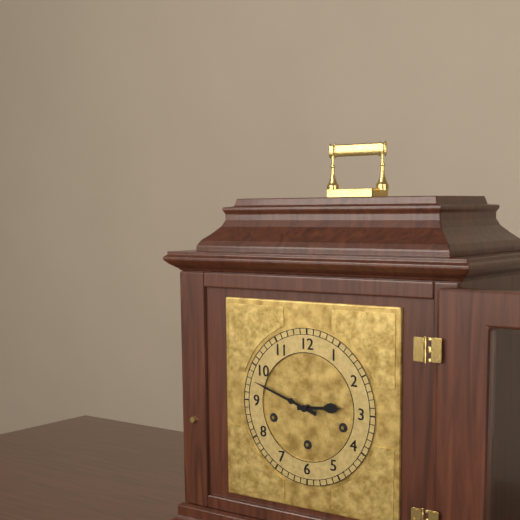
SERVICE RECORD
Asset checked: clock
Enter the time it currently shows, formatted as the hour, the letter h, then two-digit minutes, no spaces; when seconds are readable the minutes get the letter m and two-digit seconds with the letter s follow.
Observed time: 2h48
